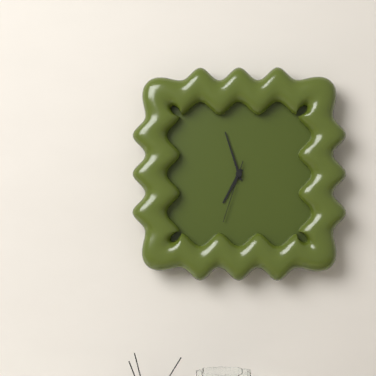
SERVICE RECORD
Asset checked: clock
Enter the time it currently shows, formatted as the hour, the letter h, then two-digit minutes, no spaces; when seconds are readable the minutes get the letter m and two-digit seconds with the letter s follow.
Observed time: 6h57m33s
